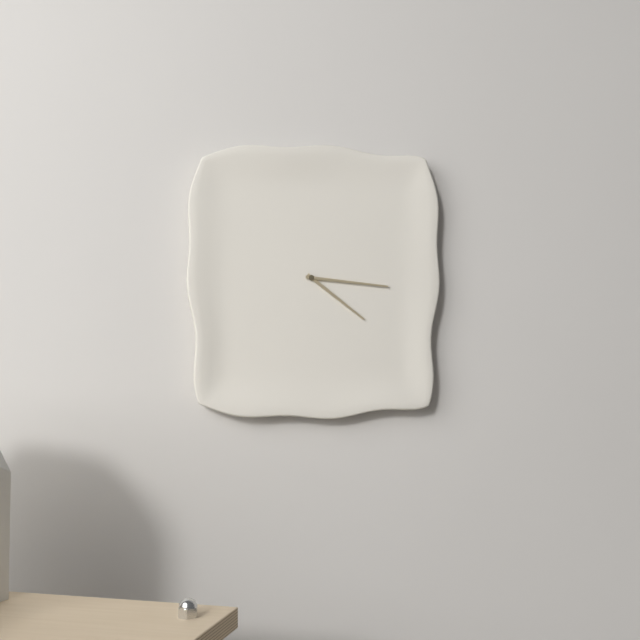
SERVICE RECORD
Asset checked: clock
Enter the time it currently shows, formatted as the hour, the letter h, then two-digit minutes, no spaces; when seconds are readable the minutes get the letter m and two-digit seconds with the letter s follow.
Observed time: 4h16
